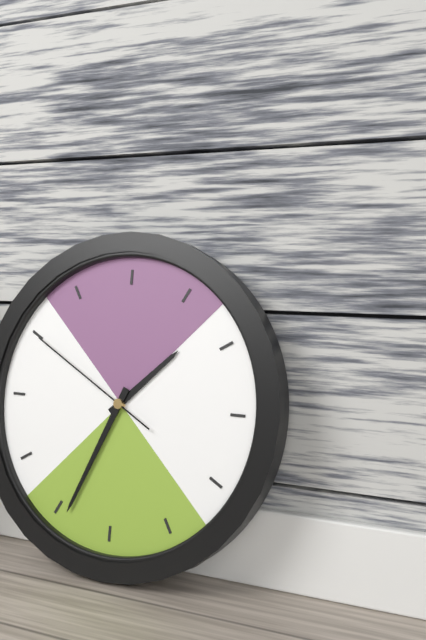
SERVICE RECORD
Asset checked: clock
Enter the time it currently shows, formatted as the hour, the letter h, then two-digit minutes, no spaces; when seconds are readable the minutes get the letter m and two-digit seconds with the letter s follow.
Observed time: 1h34m50s
